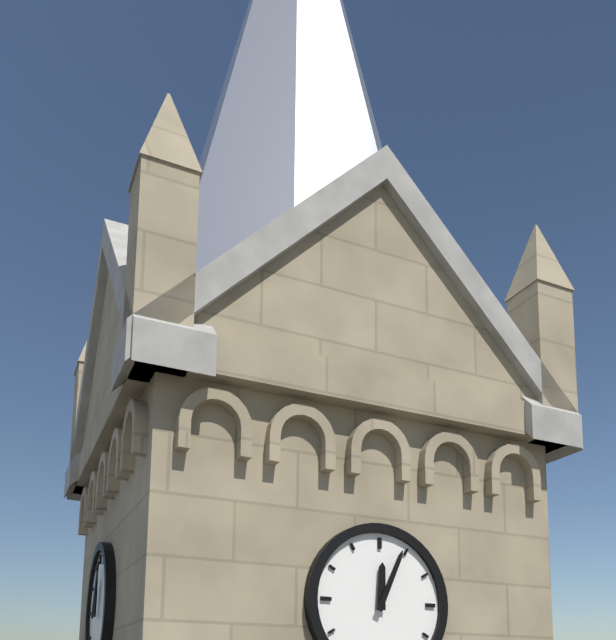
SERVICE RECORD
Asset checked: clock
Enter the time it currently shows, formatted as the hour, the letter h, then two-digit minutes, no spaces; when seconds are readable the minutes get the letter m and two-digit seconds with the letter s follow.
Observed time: 12h04
